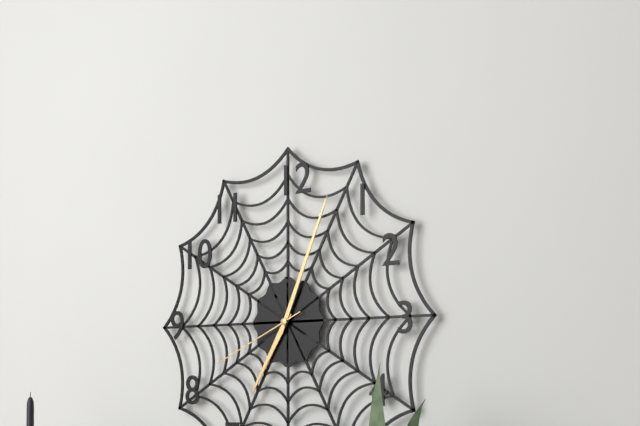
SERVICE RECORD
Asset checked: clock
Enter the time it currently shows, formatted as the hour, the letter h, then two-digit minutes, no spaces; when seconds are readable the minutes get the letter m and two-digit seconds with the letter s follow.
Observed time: 7h04m41s
